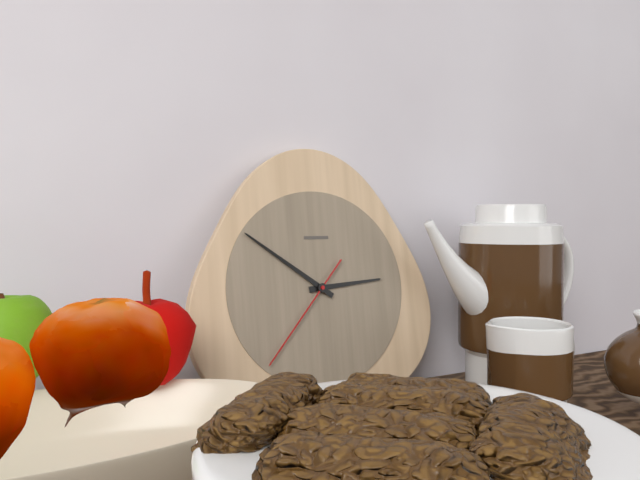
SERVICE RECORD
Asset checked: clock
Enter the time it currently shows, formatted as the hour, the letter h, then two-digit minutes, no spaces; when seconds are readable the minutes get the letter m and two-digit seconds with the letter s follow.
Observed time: 2h51m37s
